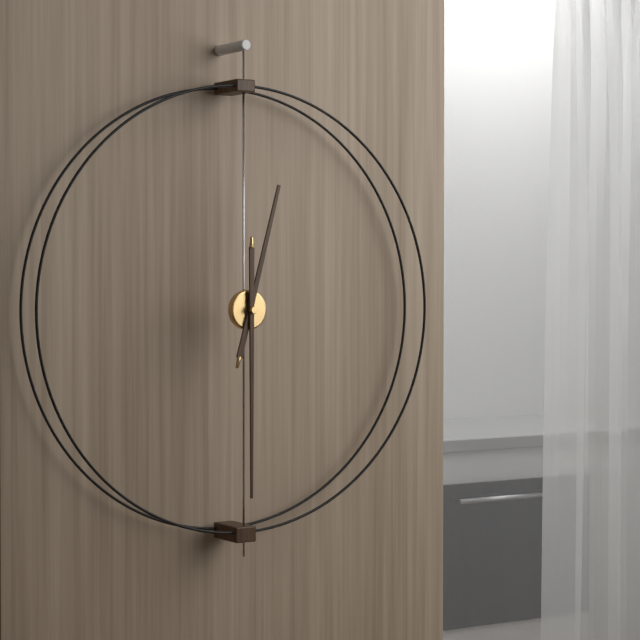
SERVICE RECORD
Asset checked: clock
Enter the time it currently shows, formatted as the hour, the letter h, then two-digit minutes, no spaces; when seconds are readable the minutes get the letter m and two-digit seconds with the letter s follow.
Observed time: 12h30
